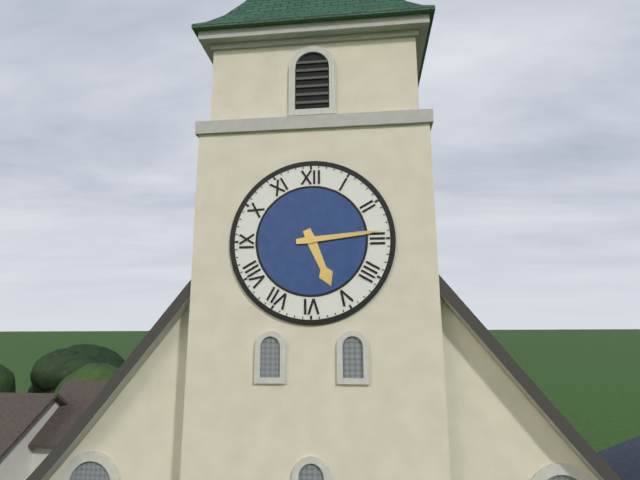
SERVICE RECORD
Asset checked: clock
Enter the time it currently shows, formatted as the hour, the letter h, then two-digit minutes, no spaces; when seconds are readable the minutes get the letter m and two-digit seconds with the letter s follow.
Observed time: 5h14
